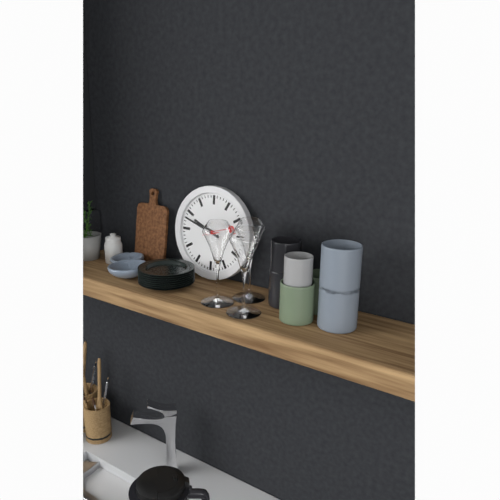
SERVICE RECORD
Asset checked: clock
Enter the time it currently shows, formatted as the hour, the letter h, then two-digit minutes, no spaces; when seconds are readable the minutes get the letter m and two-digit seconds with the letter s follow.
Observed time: 9h48
